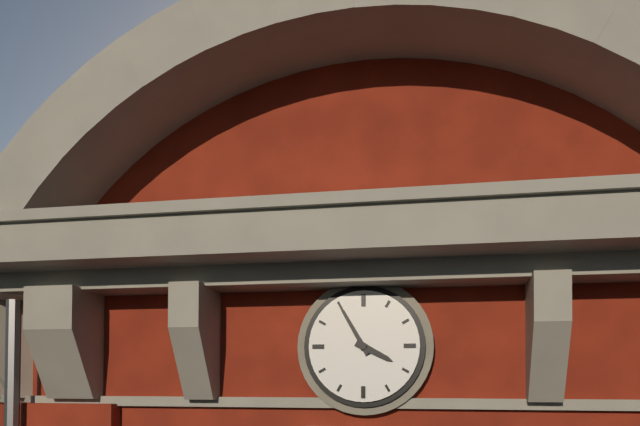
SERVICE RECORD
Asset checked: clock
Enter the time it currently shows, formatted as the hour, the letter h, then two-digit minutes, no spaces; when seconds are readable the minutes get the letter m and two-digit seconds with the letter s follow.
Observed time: 3h55
